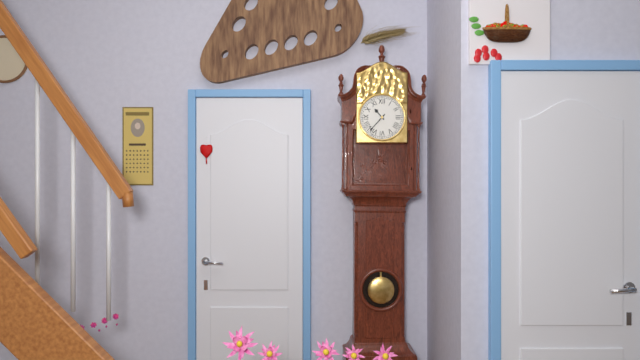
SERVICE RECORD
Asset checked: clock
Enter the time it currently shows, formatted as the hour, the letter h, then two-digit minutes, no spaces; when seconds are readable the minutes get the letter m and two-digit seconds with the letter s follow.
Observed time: 10h37
